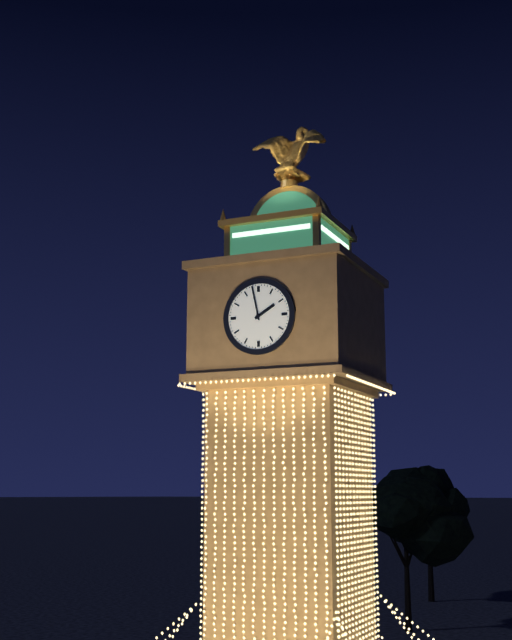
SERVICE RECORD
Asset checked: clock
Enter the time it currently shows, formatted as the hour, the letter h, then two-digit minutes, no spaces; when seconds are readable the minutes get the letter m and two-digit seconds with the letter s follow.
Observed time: 1h58
